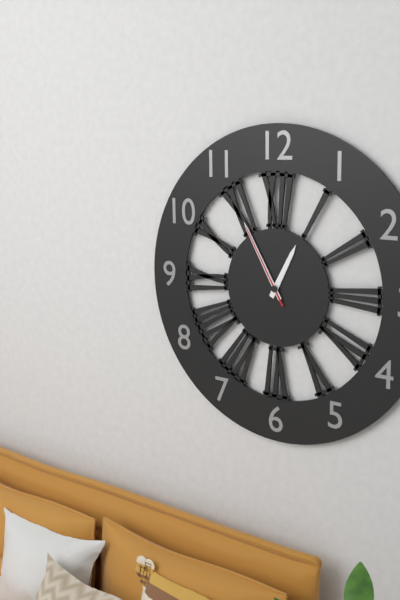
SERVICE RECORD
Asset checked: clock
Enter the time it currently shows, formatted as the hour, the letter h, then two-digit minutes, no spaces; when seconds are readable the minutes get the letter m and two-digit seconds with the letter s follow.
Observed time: 12h55m55s
